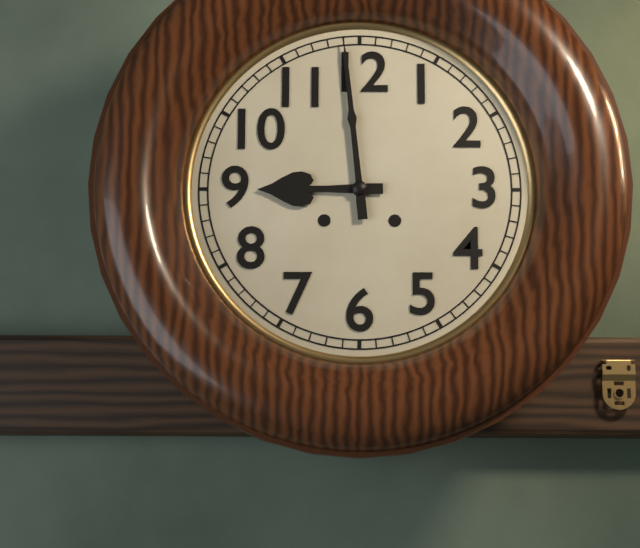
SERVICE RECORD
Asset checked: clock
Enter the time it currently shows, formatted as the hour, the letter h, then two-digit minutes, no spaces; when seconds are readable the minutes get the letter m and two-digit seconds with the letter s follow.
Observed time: 8h59
